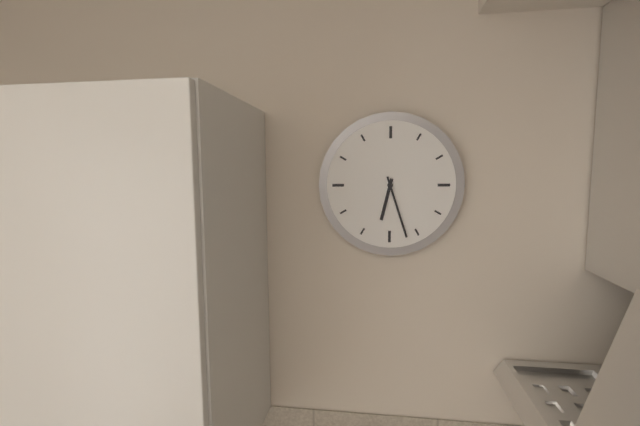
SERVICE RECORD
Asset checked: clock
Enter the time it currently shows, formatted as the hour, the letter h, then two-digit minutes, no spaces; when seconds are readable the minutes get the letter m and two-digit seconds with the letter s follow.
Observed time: 6h27
